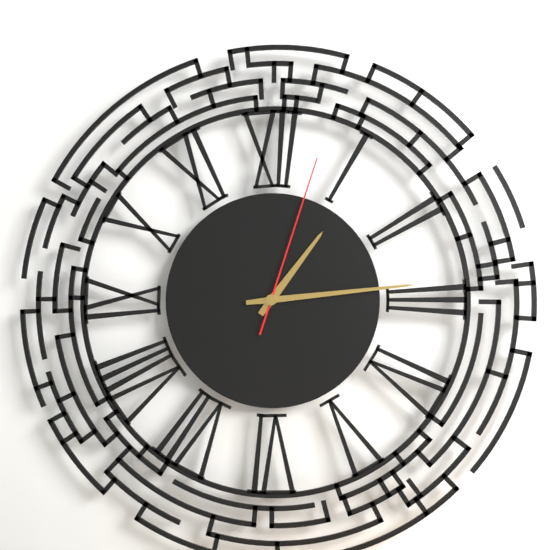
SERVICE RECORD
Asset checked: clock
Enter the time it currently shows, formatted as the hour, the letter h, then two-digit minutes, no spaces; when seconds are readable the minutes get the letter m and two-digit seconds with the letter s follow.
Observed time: 1h14m03s
